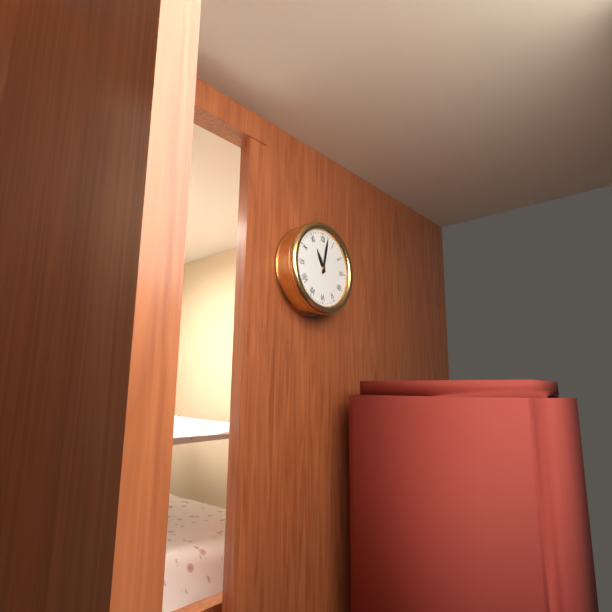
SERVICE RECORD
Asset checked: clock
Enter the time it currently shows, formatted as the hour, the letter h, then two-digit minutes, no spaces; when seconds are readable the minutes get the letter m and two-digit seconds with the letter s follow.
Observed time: 11h02
